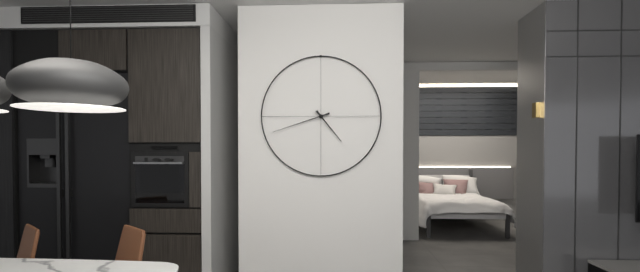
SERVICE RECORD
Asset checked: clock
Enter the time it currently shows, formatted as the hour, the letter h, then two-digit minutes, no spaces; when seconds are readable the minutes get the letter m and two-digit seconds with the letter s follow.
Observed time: 4h42
